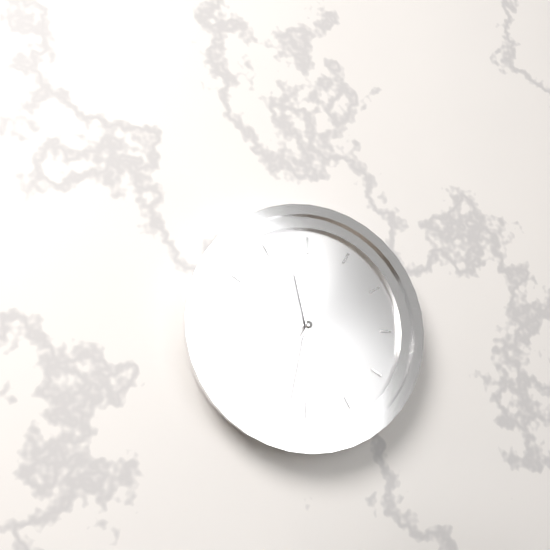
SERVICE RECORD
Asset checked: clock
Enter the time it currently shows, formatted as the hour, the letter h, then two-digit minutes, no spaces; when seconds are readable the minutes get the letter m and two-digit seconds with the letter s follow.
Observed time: 11h32m35s
